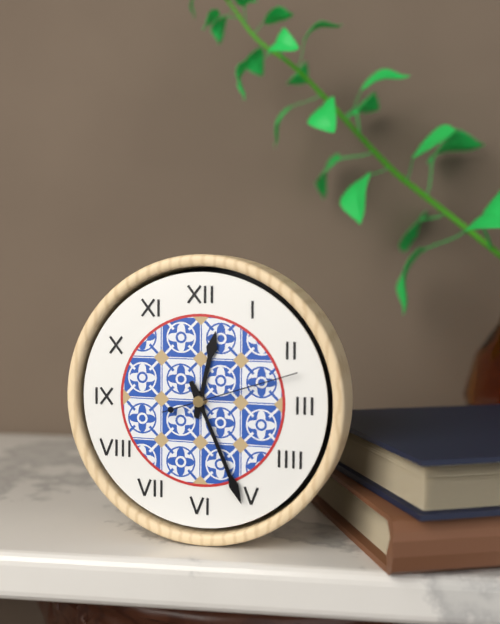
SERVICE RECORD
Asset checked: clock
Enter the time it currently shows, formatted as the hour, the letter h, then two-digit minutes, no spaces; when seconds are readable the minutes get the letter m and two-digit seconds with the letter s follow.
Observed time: 12h26m12s
